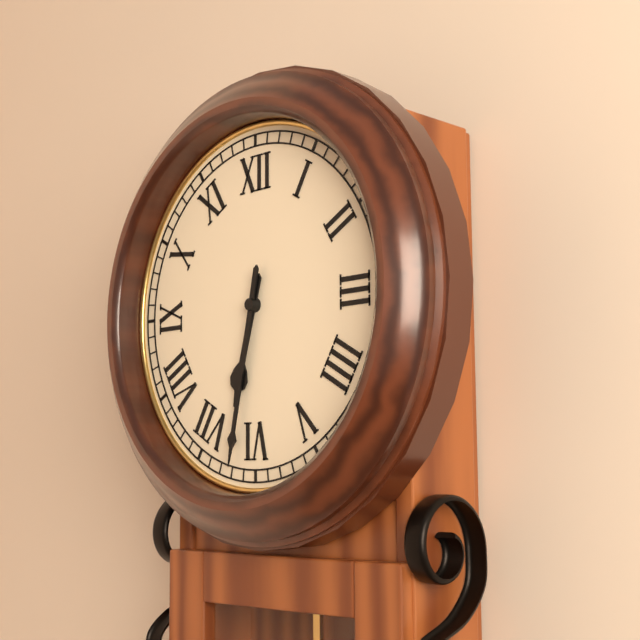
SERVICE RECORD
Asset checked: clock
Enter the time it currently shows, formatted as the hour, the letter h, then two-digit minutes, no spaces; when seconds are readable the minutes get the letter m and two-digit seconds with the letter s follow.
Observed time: 6h32
